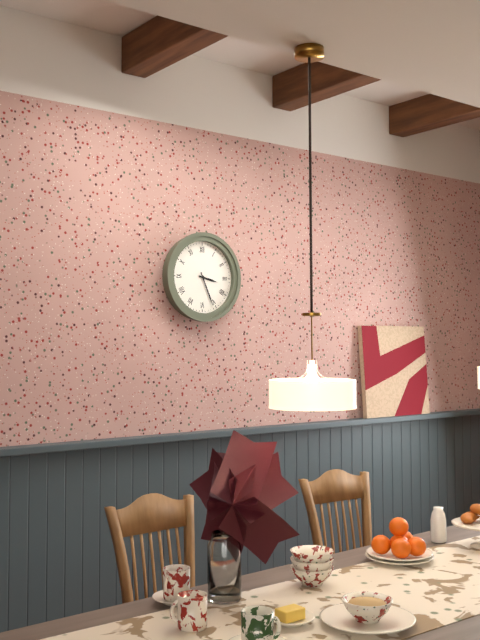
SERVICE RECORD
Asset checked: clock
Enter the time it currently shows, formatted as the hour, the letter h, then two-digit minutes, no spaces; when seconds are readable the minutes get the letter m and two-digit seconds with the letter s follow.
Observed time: 3h26
